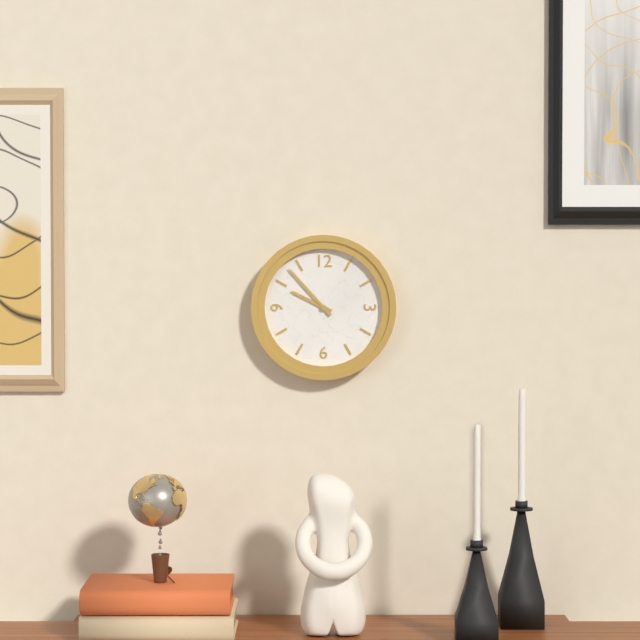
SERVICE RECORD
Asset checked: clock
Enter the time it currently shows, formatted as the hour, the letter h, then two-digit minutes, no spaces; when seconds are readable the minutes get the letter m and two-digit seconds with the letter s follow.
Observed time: 9h53
